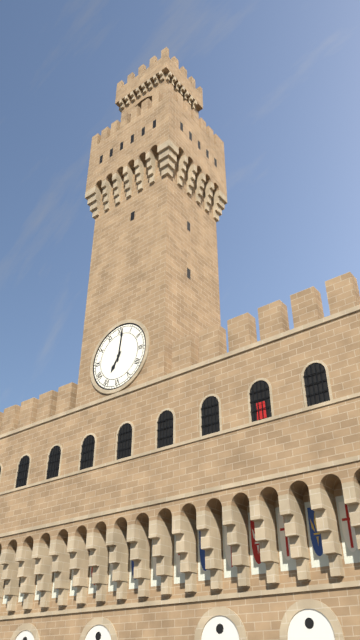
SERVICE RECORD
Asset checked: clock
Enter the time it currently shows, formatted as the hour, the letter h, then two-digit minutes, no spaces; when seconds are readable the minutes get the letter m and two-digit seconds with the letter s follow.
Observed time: 7h01
